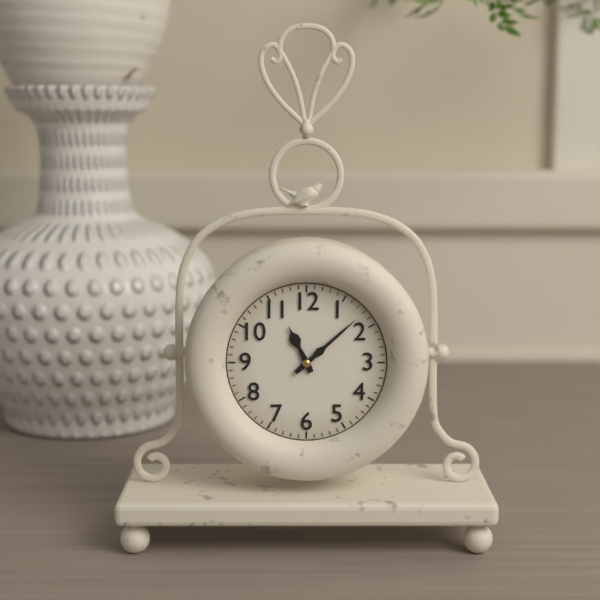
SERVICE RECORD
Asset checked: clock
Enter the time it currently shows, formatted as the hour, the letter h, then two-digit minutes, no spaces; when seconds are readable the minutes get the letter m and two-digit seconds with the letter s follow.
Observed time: 11h08
